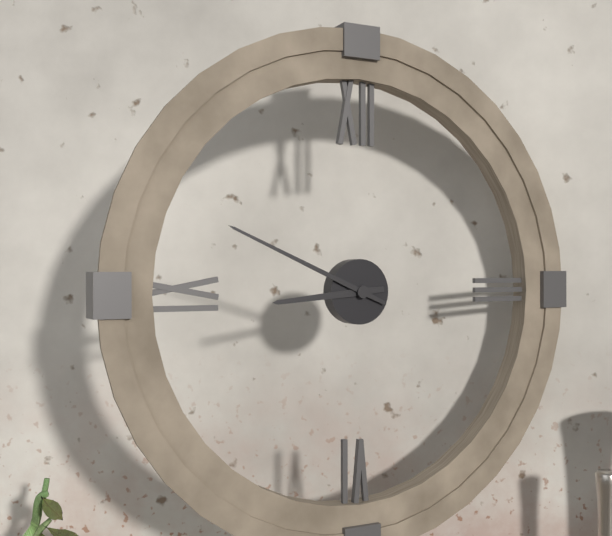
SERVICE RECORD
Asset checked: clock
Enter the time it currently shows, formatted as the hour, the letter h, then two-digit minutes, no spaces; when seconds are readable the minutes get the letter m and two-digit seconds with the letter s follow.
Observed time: 8h49
